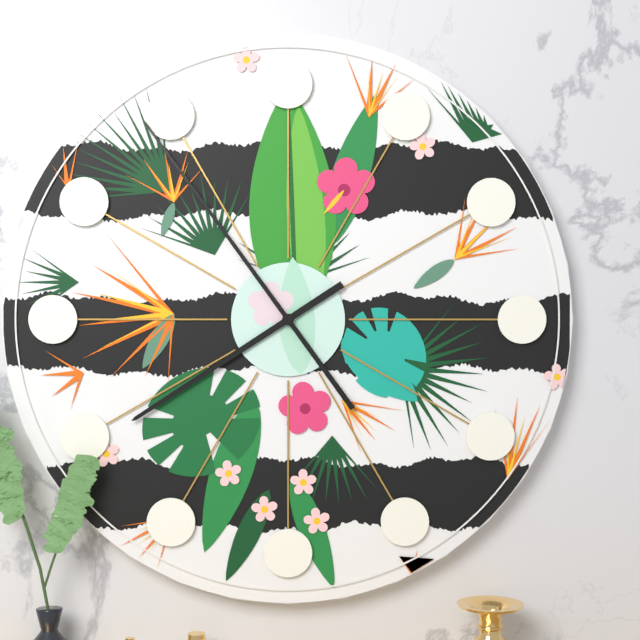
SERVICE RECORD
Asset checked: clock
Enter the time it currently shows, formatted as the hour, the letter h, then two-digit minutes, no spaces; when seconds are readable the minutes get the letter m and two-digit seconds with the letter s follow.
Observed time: 7h54
